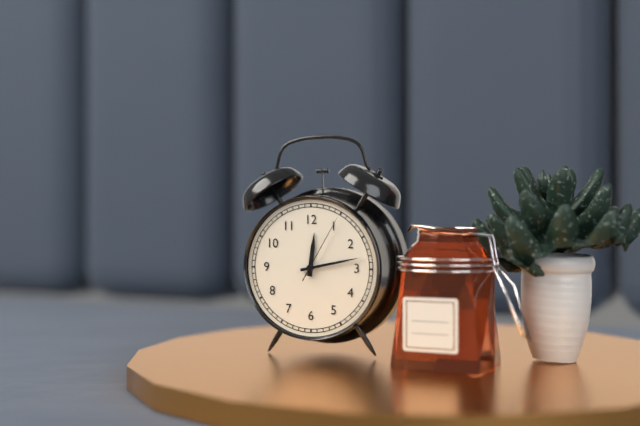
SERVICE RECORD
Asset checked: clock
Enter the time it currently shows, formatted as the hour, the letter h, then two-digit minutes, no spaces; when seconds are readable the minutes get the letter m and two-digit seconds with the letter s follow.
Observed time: 12h13m05s
